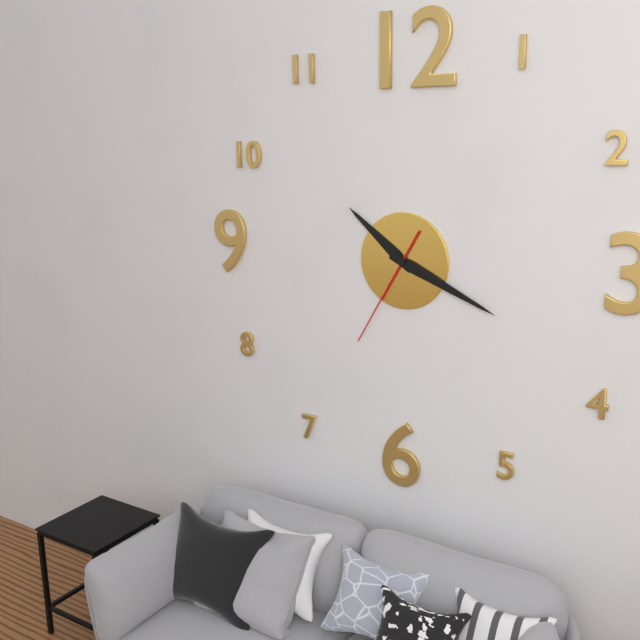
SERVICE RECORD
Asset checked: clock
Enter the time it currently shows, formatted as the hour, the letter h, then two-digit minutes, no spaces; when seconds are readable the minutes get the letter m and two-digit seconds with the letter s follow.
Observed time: 10h19m35s
